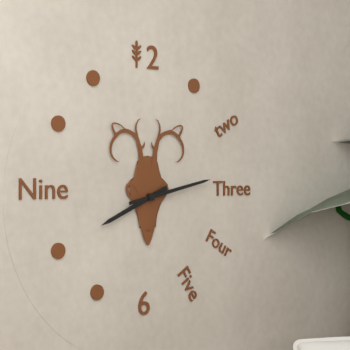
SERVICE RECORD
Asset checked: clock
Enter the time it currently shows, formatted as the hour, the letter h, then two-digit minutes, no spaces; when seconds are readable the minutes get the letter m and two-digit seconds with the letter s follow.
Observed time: 8h13
